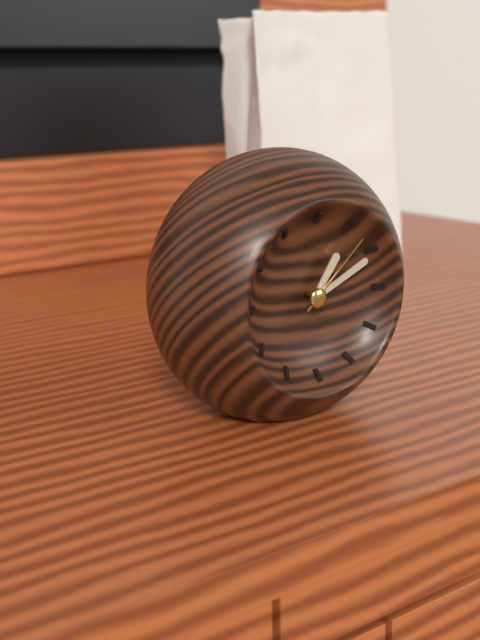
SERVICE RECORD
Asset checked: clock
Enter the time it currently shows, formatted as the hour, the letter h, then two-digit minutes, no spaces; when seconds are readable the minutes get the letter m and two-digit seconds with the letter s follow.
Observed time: 1h11m08s
